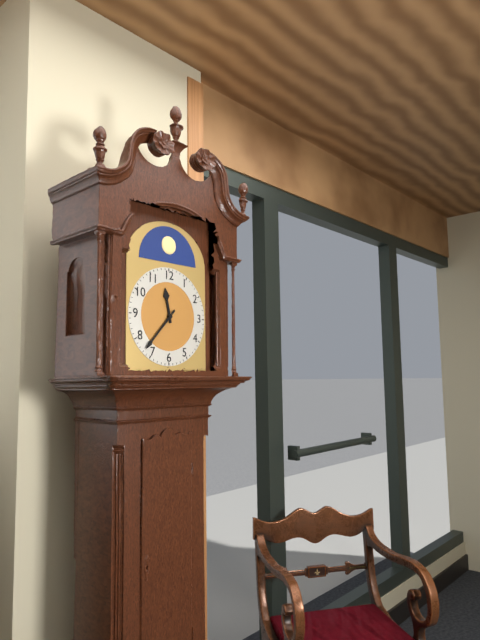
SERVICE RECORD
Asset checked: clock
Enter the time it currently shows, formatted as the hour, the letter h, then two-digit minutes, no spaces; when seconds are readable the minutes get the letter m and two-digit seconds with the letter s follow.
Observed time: 11h37
